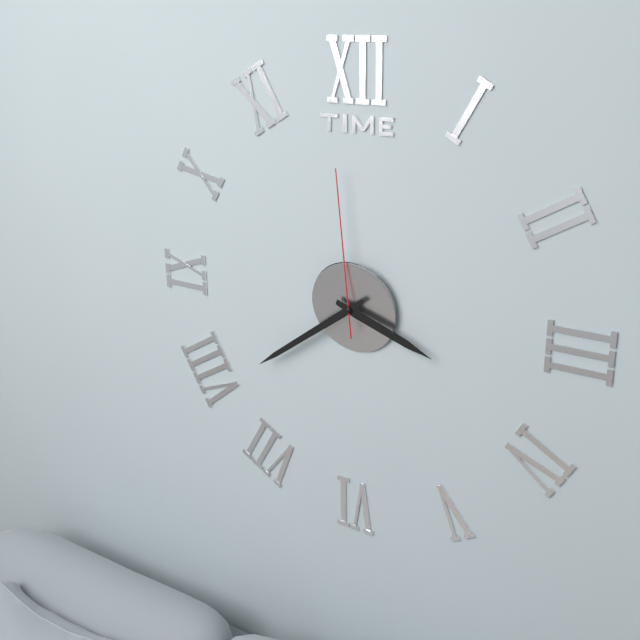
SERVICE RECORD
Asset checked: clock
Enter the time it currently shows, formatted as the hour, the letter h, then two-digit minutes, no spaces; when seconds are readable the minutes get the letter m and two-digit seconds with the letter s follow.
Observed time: 3h39m59s
